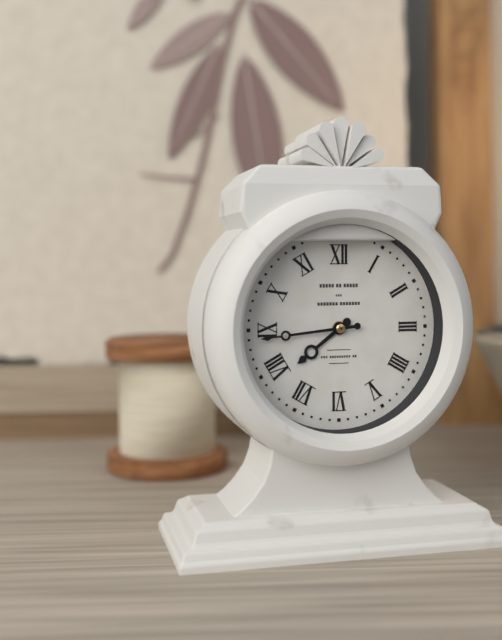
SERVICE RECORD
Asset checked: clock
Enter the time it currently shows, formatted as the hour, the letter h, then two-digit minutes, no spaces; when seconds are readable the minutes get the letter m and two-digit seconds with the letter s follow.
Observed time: 7h44
